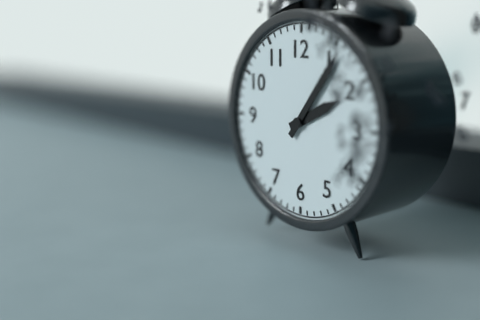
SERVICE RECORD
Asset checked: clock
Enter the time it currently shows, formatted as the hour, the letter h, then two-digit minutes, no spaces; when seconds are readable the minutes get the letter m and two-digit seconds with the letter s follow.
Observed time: 2h06
